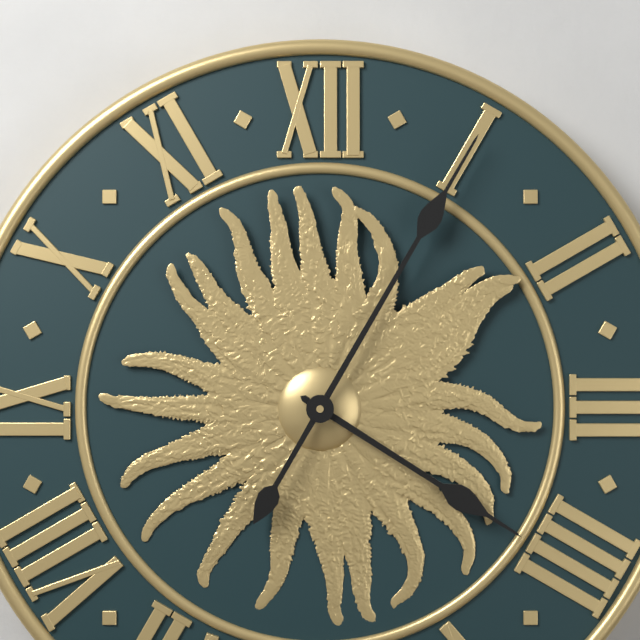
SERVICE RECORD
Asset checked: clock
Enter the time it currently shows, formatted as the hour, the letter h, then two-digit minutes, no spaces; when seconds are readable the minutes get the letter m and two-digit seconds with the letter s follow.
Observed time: 4h05
